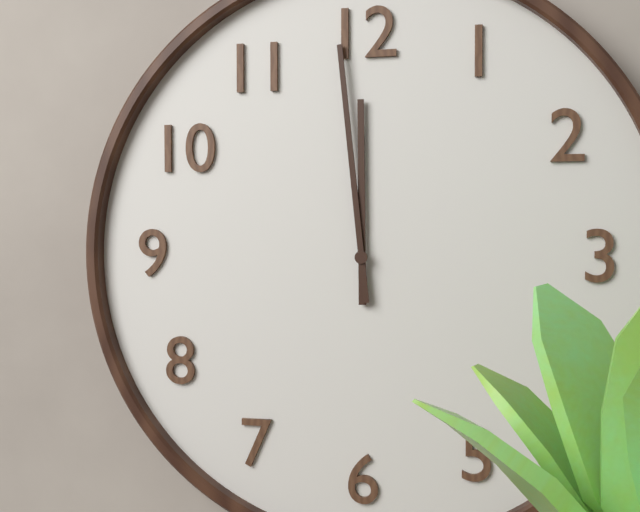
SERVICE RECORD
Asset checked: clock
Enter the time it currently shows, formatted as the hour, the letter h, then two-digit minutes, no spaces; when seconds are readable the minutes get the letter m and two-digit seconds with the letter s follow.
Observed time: 11h59
